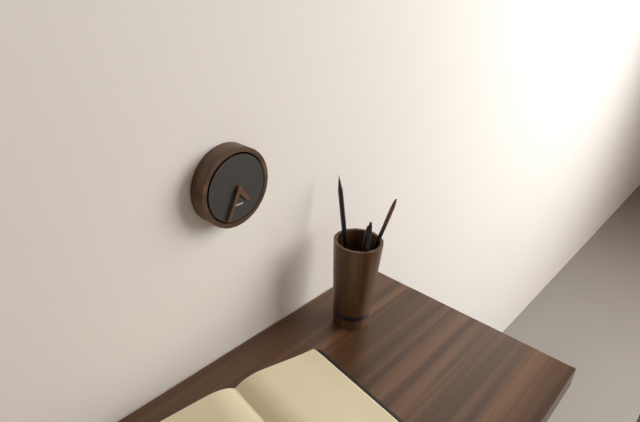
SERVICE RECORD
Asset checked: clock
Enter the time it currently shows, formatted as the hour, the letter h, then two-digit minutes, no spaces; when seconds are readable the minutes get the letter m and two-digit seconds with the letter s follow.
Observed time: 4h34
